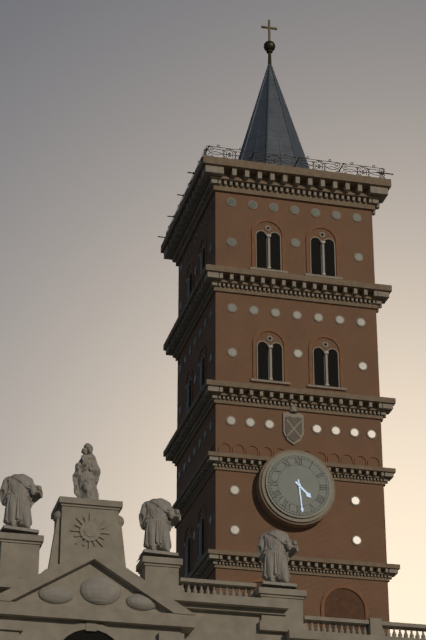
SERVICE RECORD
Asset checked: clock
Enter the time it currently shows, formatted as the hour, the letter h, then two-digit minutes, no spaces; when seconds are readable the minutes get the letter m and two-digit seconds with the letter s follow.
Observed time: 4h29
